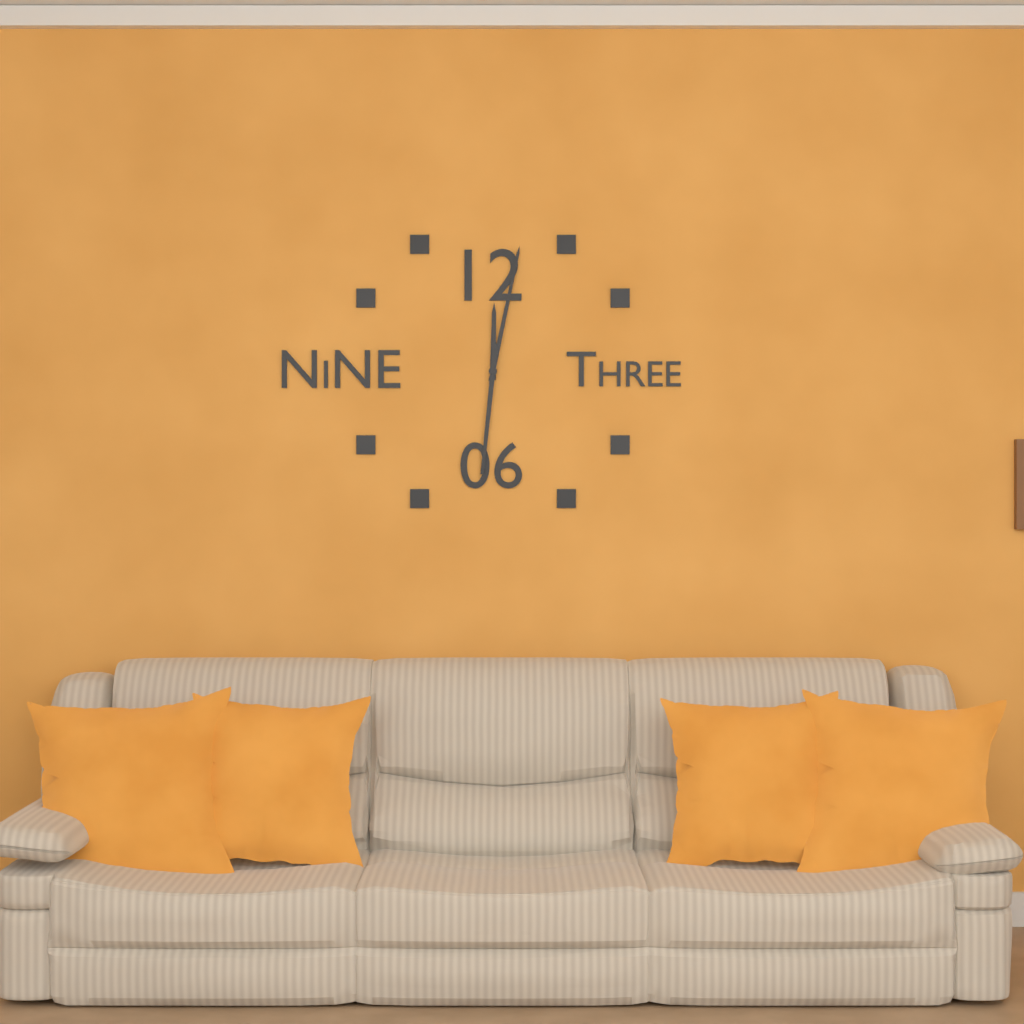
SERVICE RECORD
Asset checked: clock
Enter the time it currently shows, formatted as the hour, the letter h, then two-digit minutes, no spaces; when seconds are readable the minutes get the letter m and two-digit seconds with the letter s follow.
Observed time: 12h02m31s
